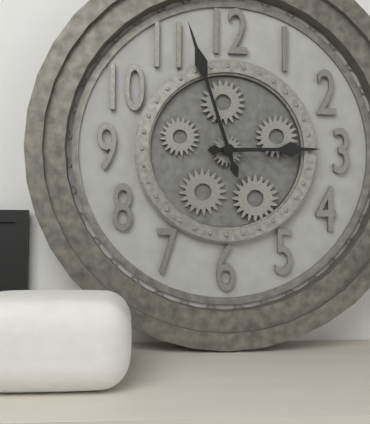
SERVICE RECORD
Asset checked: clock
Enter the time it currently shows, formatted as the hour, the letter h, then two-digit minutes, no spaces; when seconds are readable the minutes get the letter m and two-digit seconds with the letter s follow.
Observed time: 2h57
